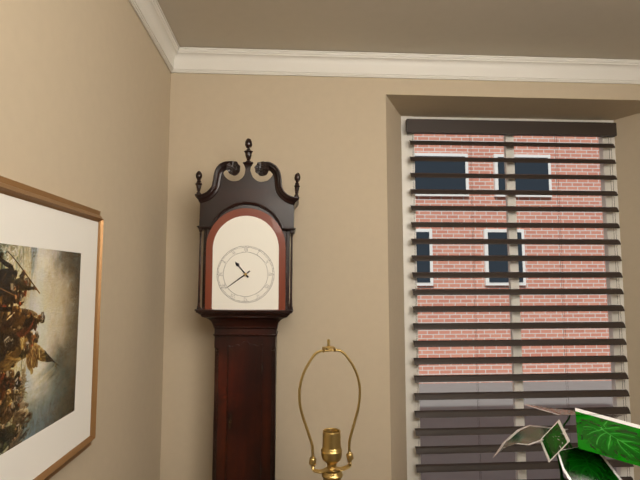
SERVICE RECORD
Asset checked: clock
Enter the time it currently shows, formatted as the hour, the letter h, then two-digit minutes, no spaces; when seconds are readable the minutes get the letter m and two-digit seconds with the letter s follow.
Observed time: 10h39
